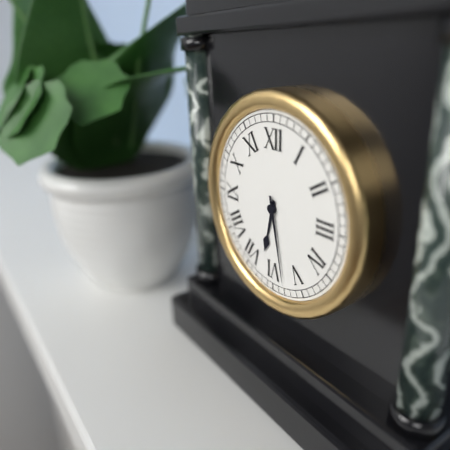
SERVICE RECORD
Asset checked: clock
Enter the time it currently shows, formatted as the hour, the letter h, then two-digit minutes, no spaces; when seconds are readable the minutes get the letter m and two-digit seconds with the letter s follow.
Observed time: 6h28
